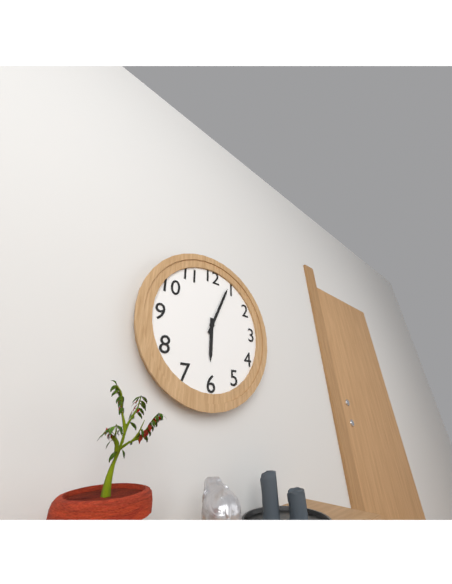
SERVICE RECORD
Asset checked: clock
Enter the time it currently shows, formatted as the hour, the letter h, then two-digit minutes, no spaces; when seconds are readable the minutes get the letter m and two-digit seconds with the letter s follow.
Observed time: 6h04
